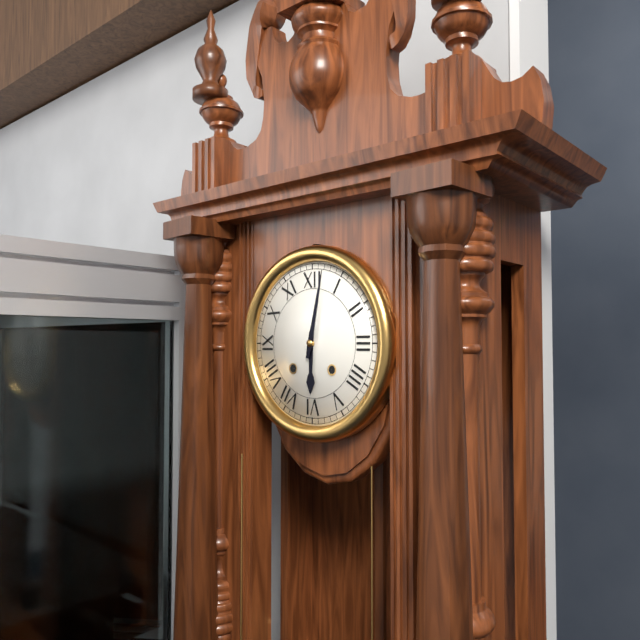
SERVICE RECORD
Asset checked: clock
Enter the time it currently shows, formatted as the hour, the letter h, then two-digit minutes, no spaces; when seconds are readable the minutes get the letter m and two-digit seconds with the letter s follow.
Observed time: 6h02
